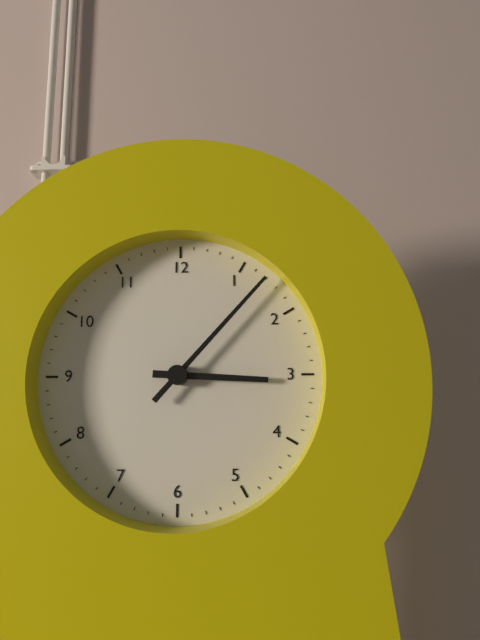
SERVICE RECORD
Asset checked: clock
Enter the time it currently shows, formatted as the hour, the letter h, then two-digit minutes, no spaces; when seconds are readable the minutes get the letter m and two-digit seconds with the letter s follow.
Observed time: 3h07
